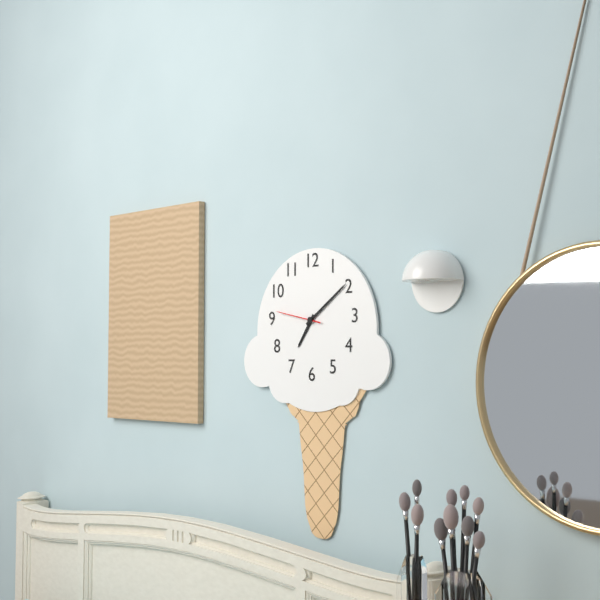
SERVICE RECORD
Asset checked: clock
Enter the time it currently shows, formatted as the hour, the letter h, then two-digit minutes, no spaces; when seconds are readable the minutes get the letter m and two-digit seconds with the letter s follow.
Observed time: 7h09
